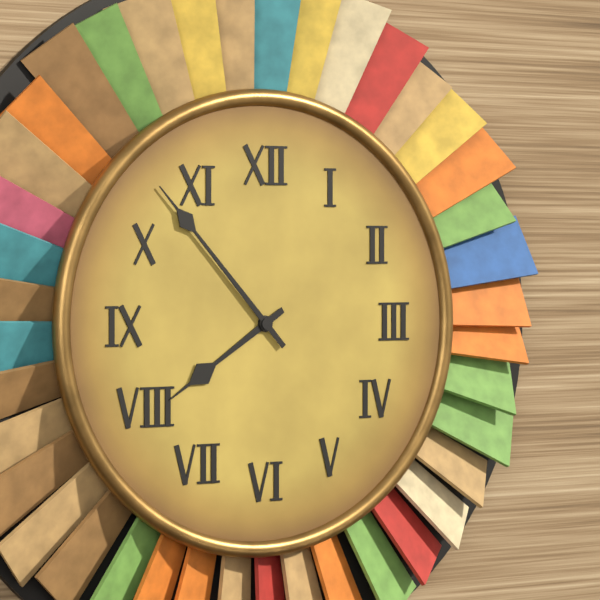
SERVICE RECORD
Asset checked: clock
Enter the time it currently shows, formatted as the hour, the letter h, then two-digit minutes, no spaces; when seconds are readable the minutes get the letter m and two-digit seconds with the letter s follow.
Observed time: 7h53
